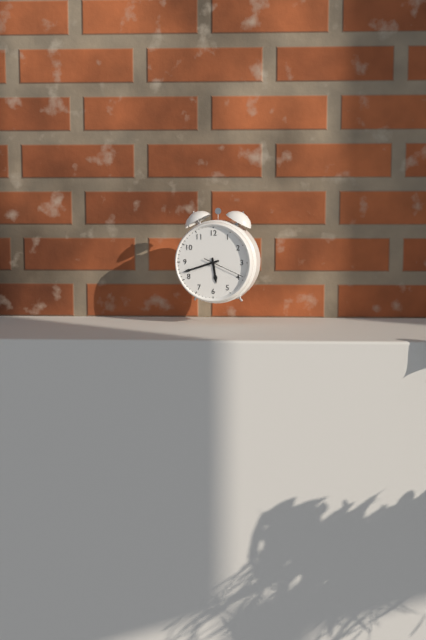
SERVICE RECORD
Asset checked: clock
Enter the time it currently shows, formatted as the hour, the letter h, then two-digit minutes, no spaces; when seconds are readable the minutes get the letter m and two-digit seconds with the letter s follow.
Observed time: 5h42
